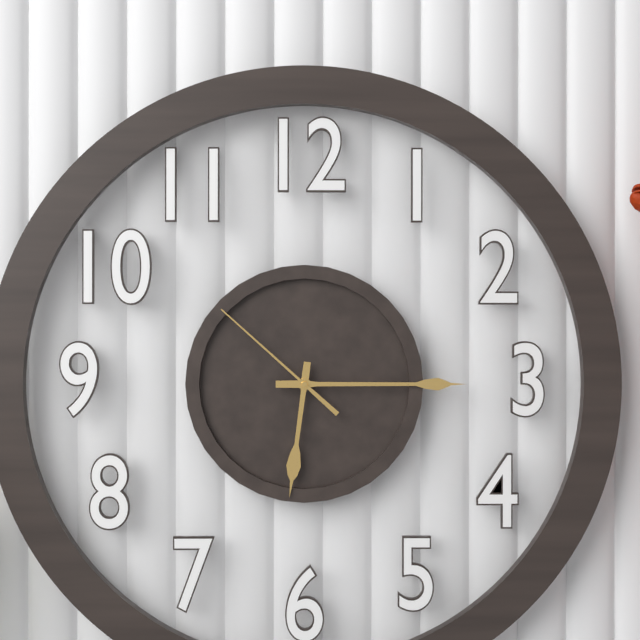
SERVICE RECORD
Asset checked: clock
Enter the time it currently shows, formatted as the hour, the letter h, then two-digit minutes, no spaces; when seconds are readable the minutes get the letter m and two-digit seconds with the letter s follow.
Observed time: 6h15m52s
